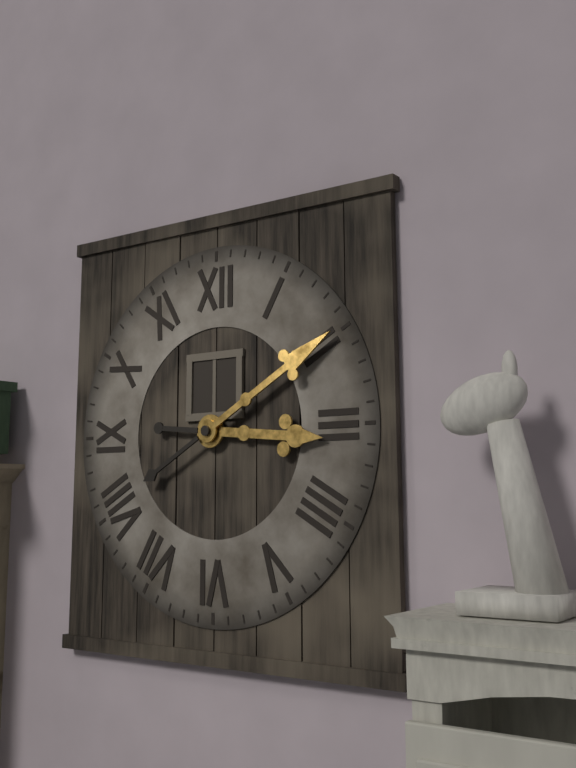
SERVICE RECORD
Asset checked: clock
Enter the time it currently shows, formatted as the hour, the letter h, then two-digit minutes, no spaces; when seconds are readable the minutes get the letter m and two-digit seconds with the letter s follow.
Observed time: 3h10
